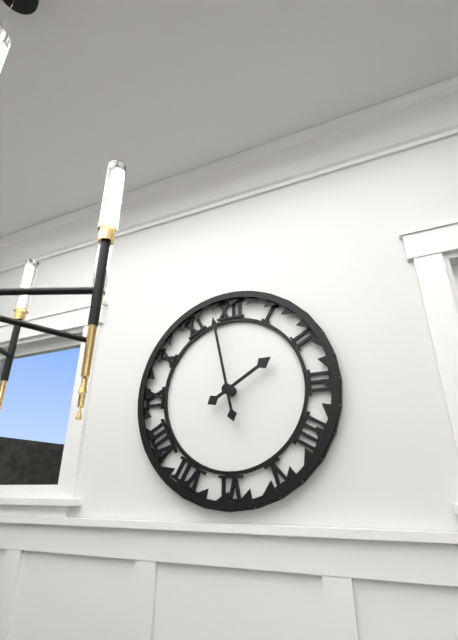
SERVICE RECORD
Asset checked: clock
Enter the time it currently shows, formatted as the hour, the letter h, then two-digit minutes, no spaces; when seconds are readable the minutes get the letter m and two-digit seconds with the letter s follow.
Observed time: 1h58
